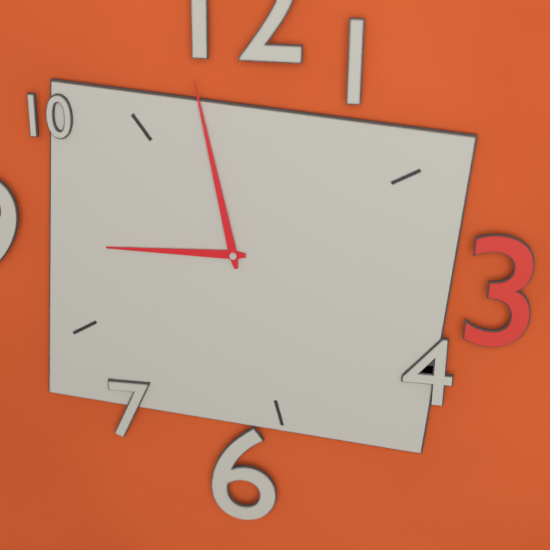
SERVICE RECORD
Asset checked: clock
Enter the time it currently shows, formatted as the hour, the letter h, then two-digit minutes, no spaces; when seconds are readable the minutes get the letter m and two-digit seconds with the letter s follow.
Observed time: 8h58
